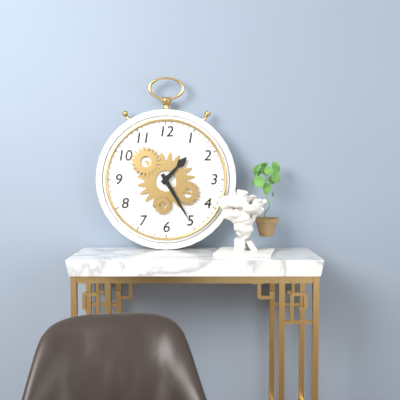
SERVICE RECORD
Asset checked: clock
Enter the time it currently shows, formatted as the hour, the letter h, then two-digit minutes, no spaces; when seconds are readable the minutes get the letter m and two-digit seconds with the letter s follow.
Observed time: 1h25
